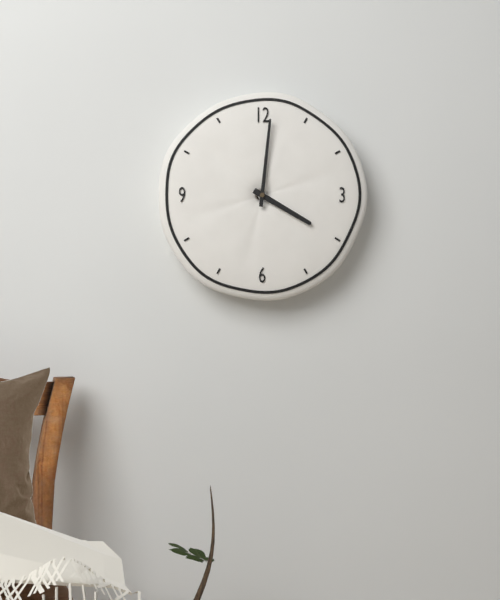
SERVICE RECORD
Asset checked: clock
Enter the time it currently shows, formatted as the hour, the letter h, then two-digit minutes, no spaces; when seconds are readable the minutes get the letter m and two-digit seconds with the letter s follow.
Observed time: 4h01
